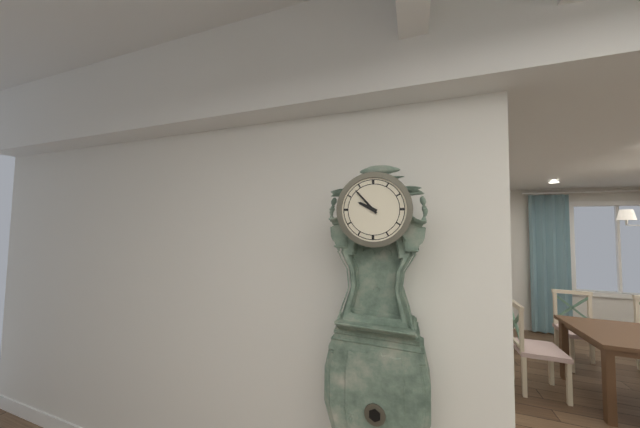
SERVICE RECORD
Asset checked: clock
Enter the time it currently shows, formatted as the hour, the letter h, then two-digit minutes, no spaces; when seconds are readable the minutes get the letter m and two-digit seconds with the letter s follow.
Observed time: 9h53
